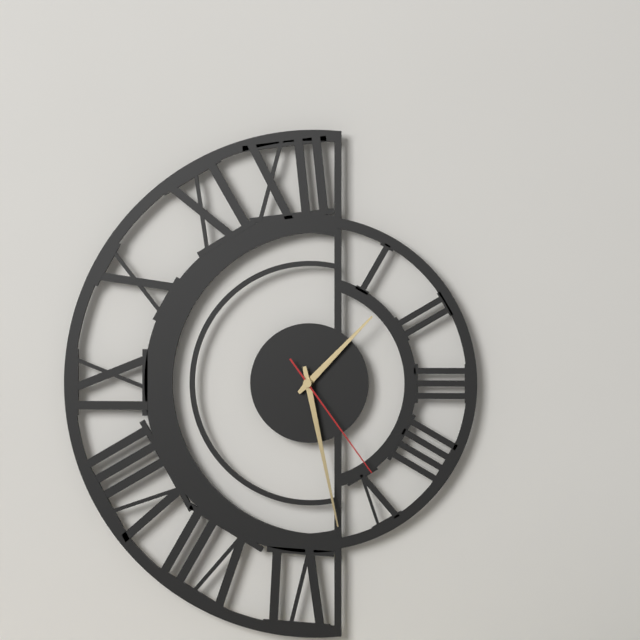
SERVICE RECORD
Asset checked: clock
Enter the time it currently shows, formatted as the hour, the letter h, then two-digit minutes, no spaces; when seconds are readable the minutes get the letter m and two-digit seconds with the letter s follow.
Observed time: 1h28m24s
